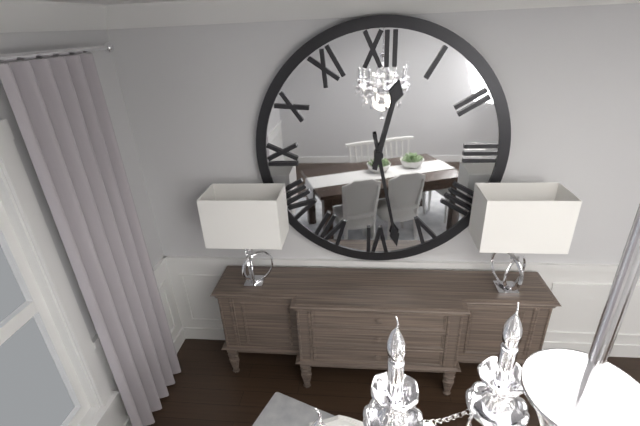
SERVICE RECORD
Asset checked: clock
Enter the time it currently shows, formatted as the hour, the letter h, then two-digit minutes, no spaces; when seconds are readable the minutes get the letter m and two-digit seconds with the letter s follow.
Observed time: 12h28
